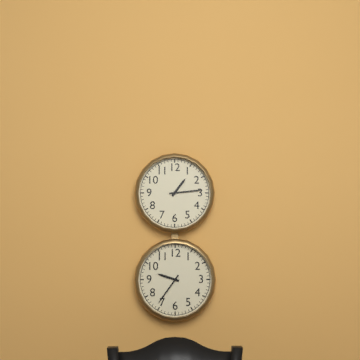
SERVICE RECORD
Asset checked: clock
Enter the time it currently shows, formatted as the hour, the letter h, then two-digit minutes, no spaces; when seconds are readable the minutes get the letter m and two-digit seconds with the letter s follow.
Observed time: 1h14
